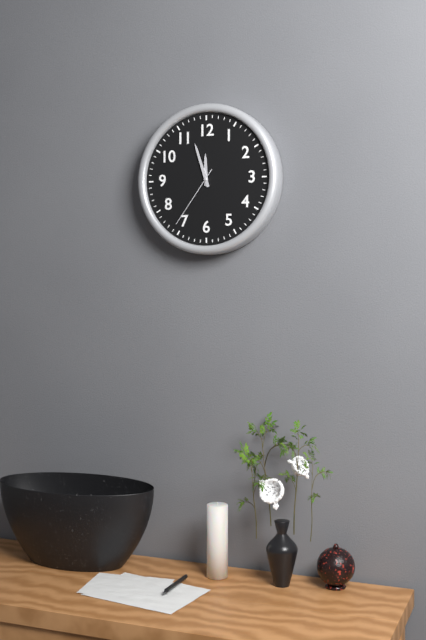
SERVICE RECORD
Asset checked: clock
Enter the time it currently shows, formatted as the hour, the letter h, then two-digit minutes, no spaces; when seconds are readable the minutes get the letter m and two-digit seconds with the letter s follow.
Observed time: 11h57m36s
